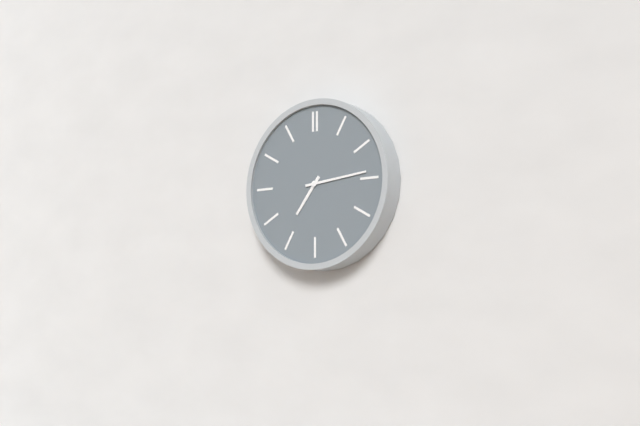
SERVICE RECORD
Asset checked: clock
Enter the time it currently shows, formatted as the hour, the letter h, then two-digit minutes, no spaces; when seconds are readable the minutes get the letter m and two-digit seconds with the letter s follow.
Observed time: 7h14
